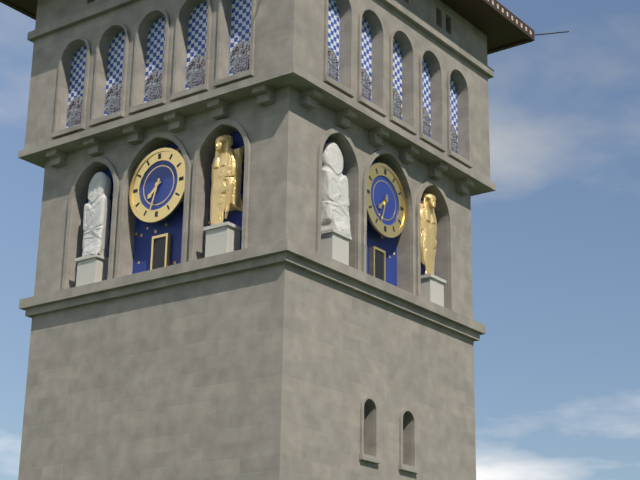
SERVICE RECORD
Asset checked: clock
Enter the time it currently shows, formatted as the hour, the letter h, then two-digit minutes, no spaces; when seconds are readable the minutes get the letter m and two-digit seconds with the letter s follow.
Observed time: 7h33
